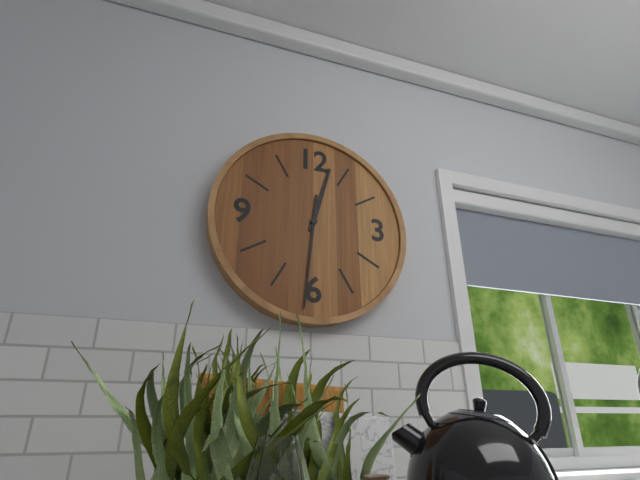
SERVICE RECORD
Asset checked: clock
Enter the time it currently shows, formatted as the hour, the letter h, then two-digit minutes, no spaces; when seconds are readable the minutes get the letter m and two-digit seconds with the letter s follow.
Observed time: 12h31
